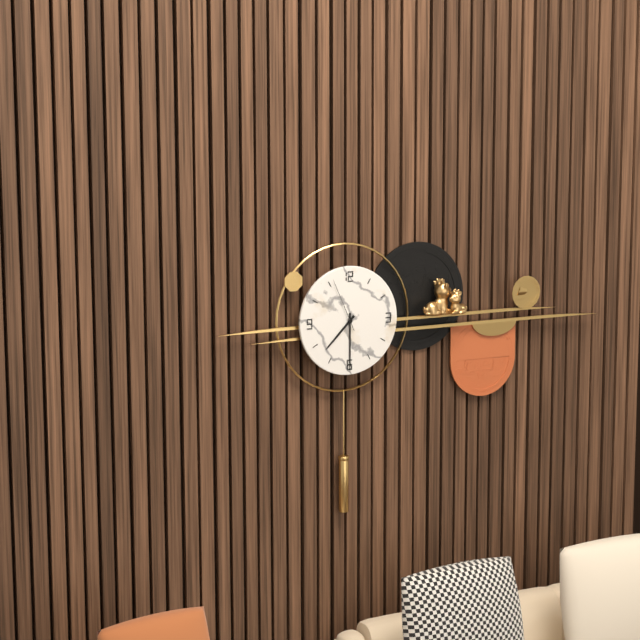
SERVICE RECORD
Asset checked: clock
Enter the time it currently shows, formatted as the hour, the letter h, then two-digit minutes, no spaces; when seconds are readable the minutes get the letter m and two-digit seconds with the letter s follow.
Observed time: 7h30m56s
